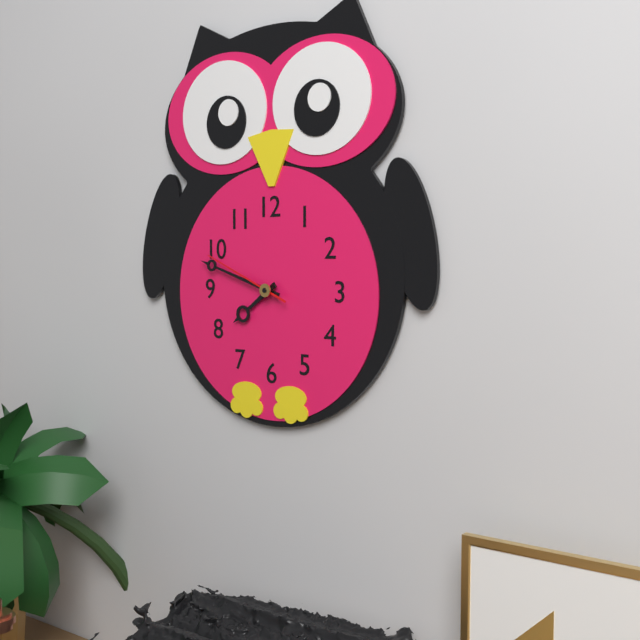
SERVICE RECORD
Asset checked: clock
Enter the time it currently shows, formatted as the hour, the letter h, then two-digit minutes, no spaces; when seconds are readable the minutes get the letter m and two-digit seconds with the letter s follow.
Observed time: 7h48m49s
